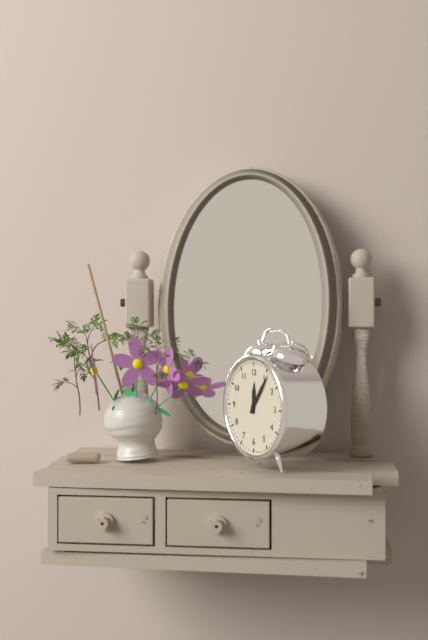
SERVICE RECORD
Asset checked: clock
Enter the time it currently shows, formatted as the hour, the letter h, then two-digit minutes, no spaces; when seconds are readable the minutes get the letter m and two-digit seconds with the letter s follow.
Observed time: 12h06
